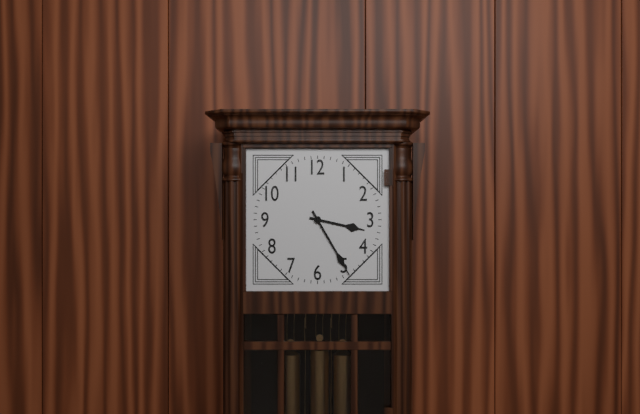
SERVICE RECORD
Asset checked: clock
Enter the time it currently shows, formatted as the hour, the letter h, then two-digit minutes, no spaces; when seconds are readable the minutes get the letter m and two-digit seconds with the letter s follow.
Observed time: 3h25
